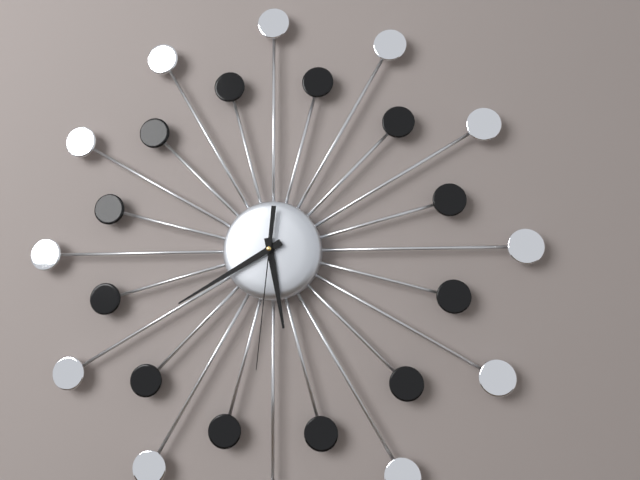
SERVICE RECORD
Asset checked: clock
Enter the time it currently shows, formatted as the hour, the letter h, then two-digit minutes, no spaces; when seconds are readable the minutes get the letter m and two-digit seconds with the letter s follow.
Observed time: 5h40m31s
